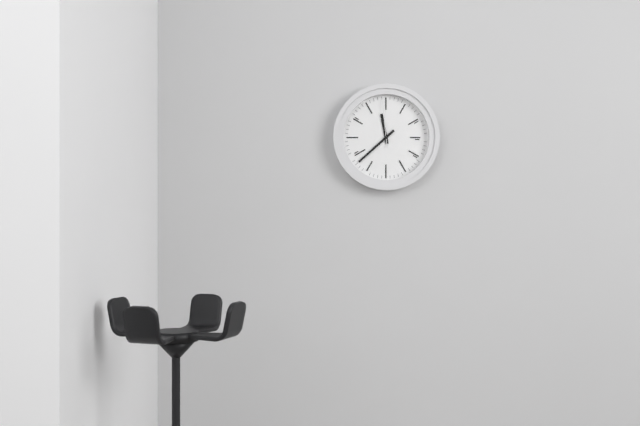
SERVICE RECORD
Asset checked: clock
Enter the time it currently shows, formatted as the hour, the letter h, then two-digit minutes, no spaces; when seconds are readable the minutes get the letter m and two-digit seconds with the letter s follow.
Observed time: 11h38
